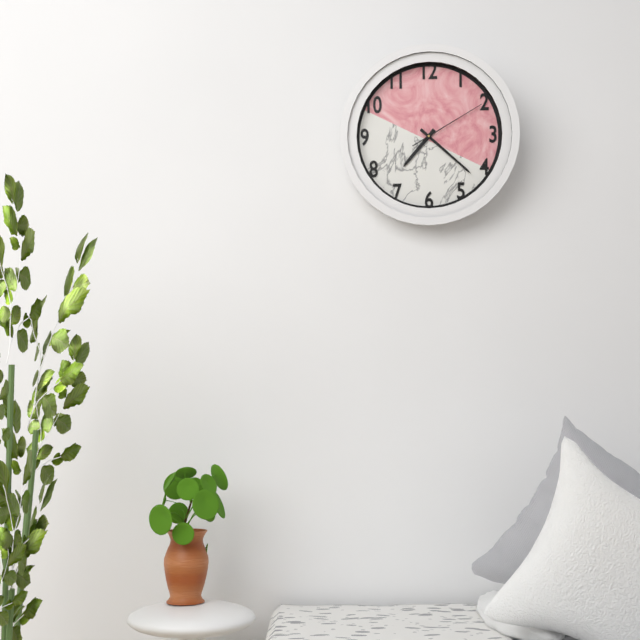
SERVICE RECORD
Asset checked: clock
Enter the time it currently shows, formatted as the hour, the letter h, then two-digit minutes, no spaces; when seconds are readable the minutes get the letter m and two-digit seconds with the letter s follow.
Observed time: 7h22m10s
